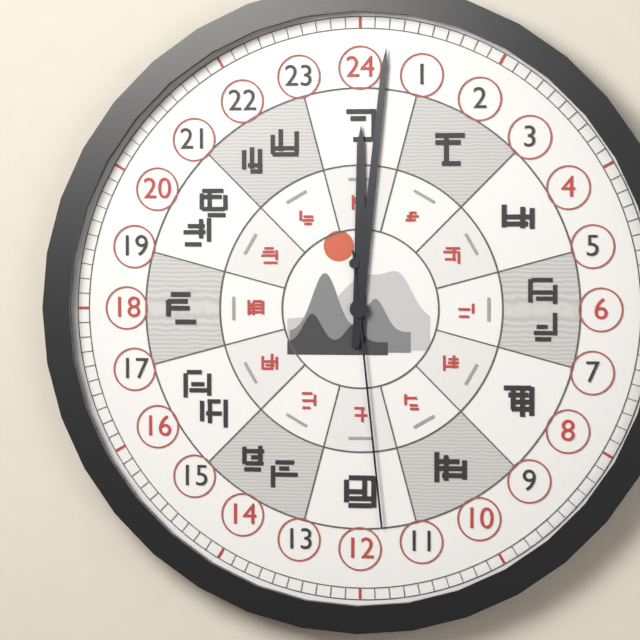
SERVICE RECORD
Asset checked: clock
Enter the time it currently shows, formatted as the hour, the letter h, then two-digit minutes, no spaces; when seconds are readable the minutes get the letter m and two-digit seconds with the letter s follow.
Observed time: 12h01m29s
